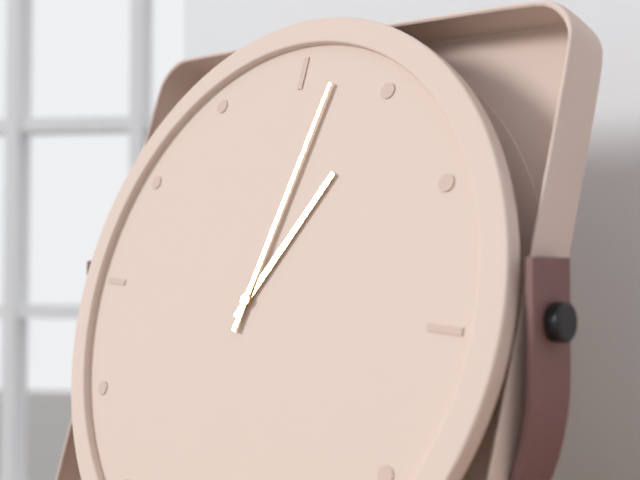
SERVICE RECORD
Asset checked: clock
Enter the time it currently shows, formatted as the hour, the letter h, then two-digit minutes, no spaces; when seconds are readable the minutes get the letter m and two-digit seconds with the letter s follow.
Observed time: 1h02
